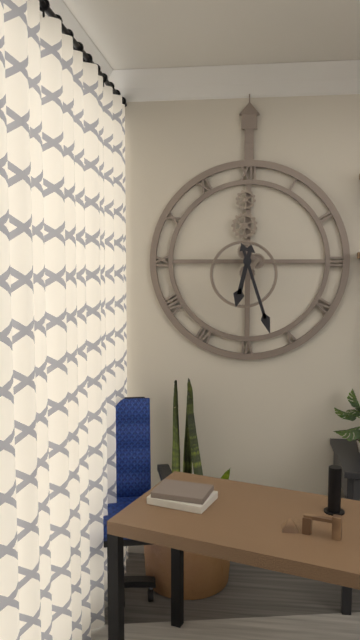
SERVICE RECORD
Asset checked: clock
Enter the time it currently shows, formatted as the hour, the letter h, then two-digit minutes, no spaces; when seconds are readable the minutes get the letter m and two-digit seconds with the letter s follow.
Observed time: 6h27
